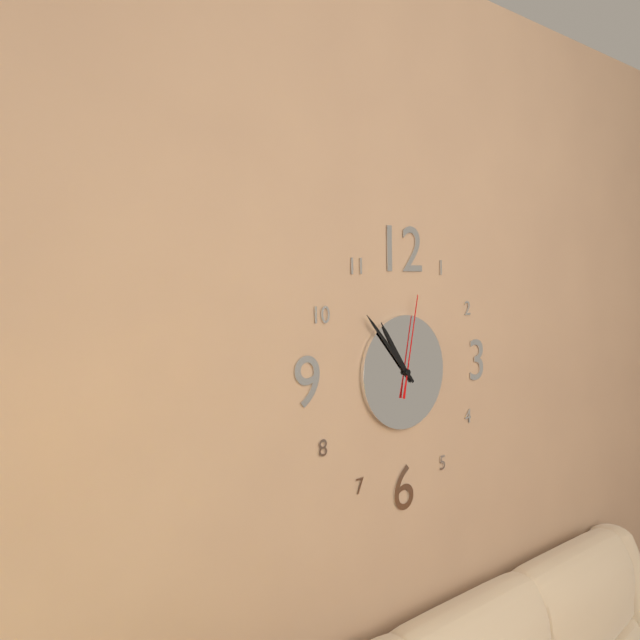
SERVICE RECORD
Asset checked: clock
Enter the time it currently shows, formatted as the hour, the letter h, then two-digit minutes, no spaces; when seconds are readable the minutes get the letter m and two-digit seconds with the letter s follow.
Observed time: 10h53m02s
